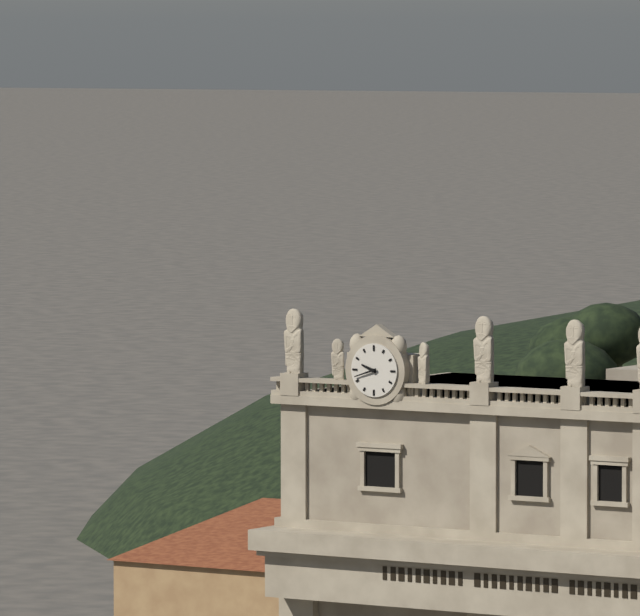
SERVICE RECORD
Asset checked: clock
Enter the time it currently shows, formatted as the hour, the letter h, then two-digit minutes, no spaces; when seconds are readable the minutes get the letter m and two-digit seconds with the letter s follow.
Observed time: 9h42
